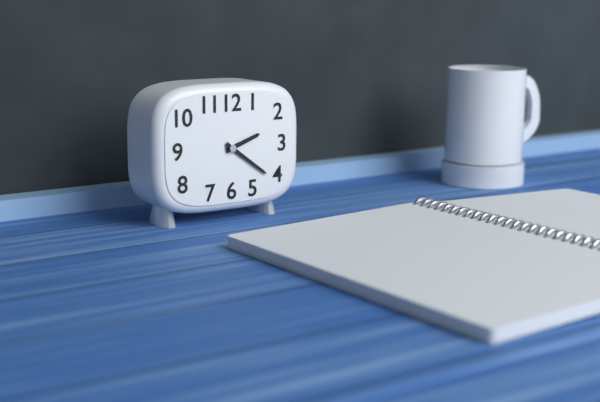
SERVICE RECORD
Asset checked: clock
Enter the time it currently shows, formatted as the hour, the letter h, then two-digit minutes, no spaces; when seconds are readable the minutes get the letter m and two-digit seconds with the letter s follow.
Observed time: 2h21
